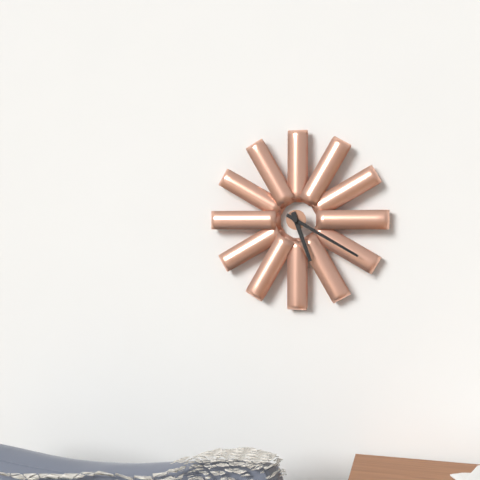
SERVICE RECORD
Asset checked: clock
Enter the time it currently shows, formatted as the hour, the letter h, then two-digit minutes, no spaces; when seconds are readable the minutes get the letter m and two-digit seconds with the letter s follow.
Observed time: 5h20
